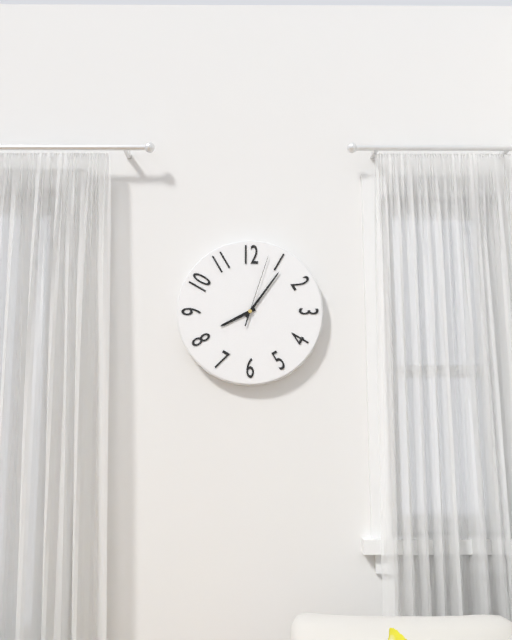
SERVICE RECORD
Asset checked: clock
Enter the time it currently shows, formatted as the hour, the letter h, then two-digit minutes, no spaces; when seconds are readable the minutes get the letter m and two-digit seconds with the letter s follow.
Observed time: 8h06m03s
